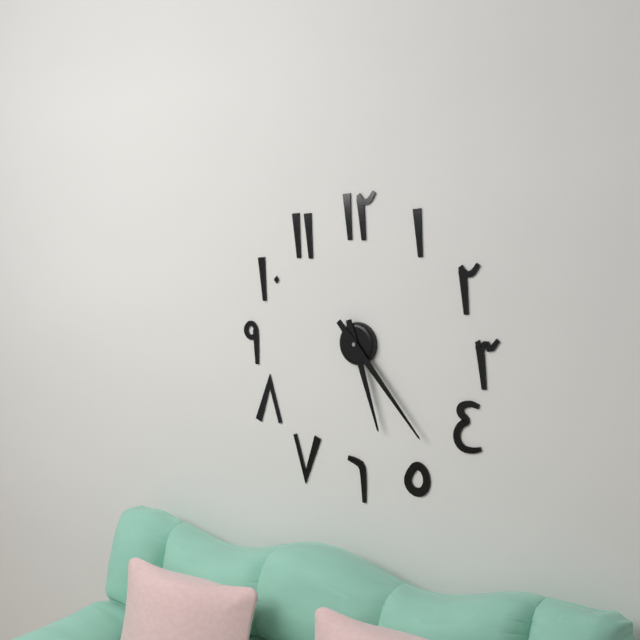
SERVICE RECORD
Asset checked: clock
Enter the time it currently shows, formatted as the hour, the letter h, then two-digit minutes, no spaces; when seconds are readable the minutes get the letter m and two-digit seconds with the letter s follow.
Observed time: 5h23
